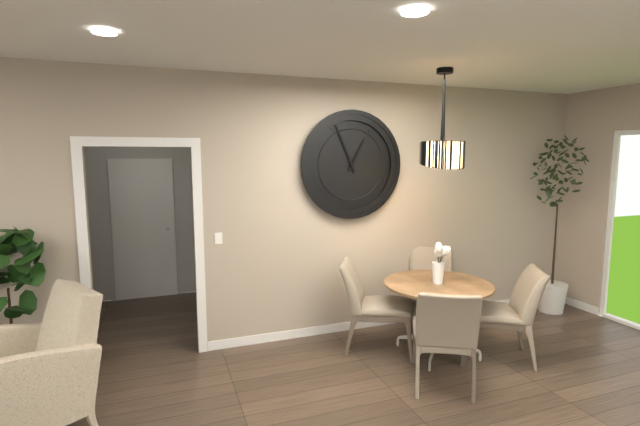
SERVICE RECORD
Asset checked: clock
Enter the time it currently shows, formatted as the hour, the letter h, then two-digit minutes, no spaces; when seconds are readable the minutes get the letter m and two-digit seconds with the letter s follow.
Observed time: 12h56
